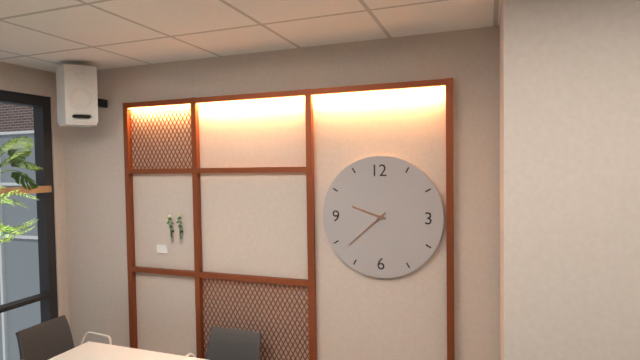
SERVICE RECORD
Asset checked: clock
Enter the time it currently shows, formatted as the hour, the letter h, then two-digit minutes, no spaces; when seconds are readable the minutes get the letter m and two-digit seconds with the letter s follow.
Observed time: 9h38
